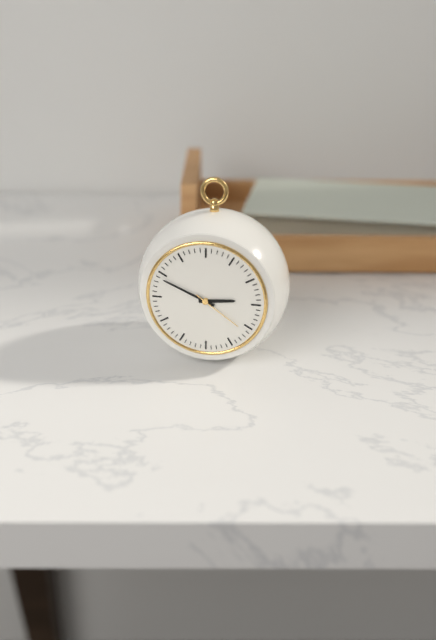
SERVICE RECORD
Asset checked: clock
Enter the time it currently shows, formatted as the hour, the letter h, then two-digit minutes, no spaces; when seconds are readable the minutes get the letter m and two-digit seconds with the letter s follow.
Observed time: 2h49m21s
